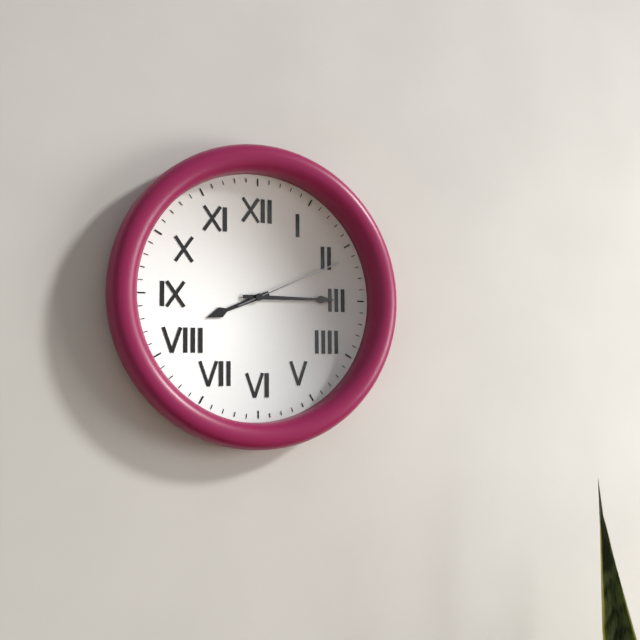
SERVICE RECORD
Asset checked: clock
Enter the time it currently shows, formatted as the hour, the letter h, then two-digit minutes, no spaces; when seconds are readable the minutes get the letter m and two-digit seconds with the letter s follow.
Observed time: 8h15m11s
